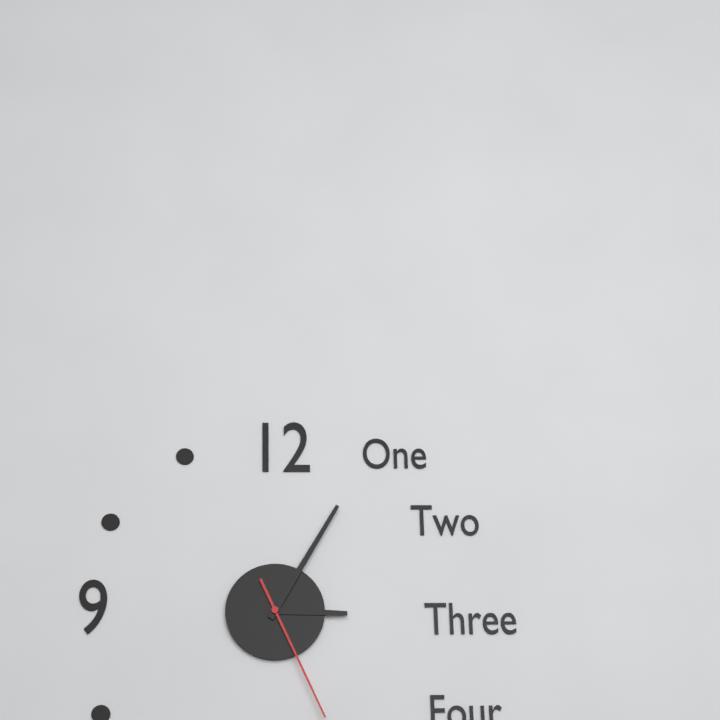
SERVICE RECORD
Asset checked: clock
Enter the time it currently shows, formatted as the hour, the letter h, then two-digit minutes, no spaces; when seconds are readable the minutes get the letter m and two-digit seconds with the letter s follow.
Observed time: 3h05m26s
